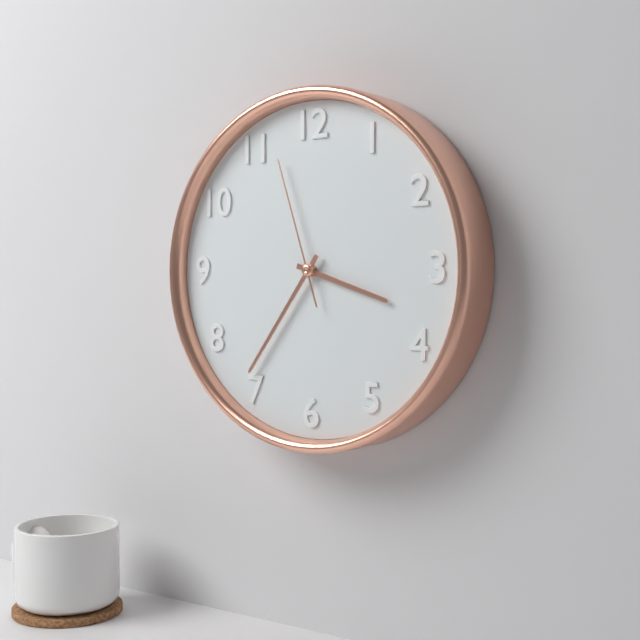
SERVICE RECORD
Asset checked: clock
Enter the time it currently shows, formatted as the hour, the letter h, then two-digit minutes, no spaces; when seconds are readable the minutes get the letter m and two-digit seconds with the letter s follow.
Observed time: 3h36m57s
